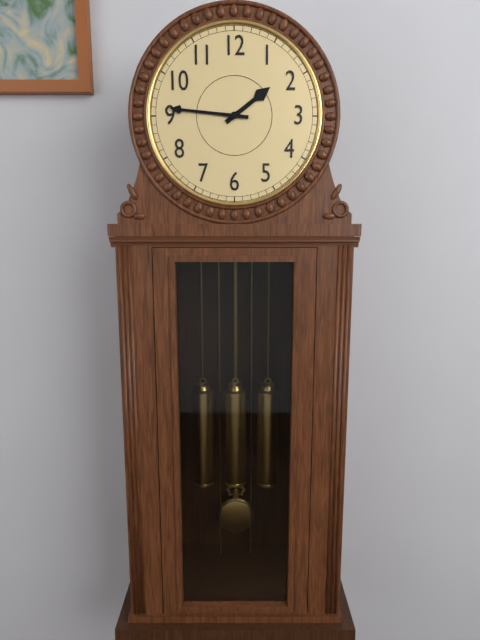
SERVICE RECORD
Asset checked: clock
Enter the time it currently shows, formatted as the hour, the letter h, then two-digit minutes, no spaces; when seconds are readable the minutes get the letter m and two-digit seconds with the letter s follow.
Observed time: 1h46
